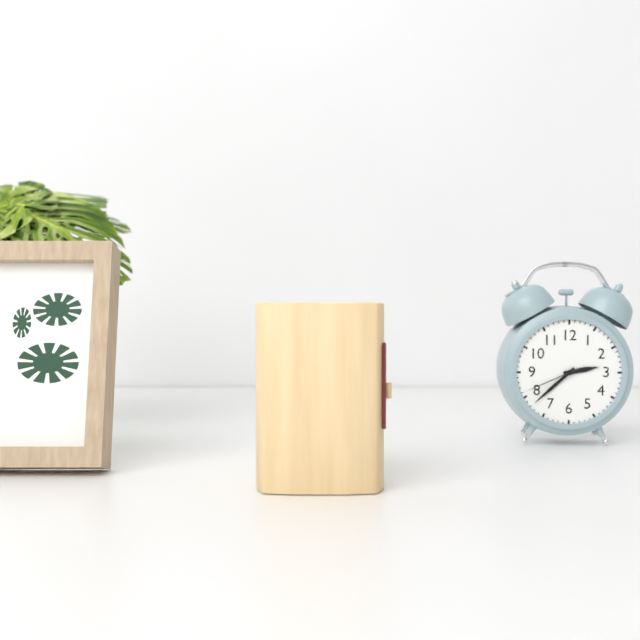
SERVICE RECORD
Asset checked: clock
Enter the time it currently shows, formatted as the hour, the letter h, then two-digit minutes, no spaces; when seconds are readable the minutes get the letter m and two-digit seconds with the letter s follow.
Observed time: 2h38m41s
